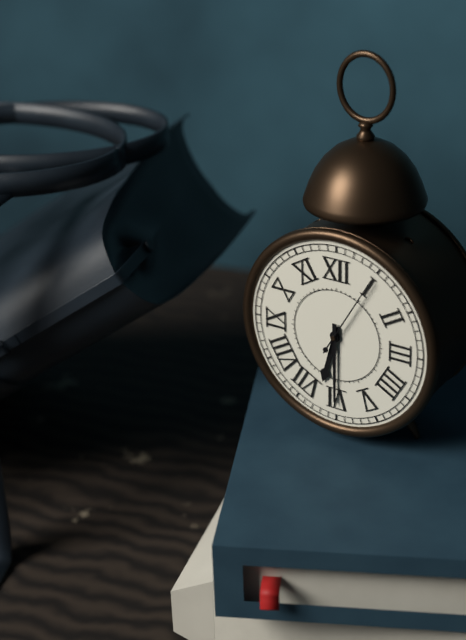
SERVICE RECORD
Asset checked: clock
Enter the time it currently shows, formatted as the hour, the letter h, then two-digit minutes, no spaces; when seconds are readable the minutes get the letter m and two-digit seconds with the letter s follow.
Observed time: 6h30m05s
